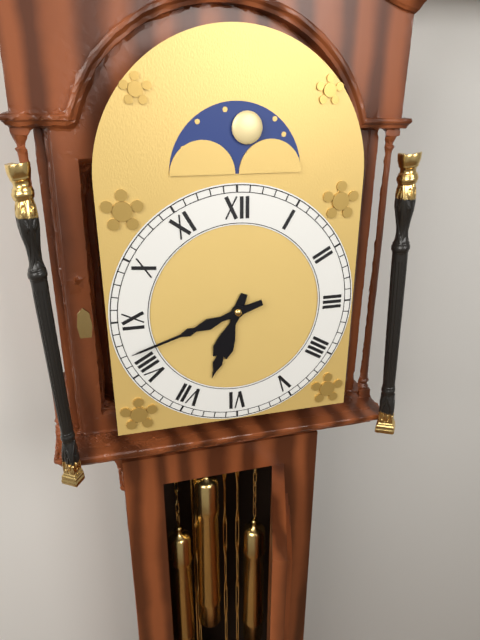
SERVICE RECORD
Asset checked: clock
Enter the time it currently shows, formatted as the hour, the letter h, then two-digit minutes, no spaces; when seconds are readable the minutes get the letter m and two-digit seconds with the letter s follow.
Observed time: 6h42
